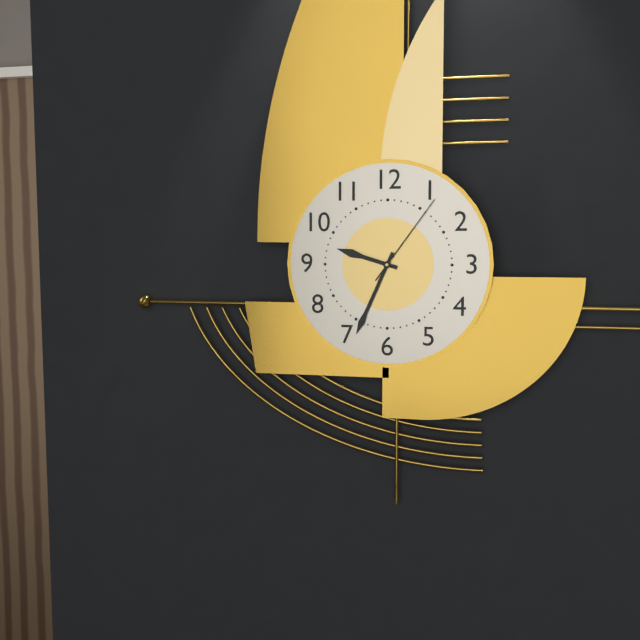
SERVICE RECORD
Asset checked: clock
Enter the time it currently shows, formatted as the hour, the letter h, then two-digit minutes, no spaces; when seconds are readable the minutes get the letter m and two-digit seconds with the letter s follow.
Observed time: 9h34m06s
